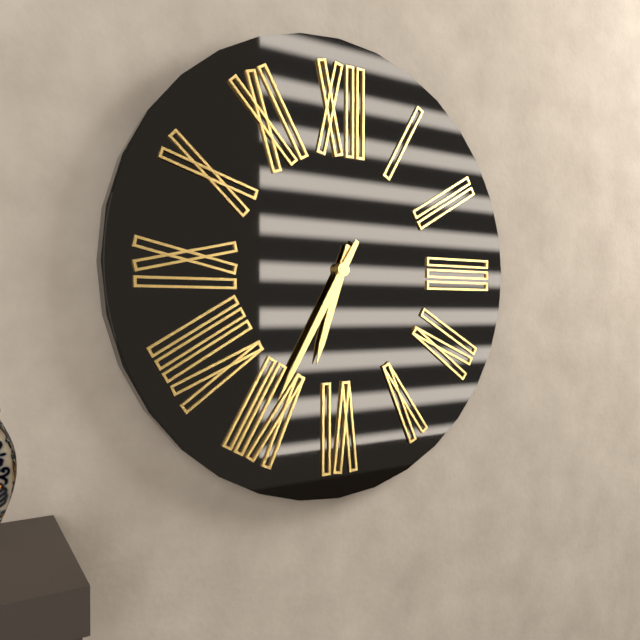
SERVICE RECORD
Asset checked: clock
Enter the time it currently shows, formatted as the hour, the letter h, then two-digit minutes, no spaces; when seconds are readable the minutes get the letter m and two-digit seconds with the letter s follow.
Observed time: 6h35
